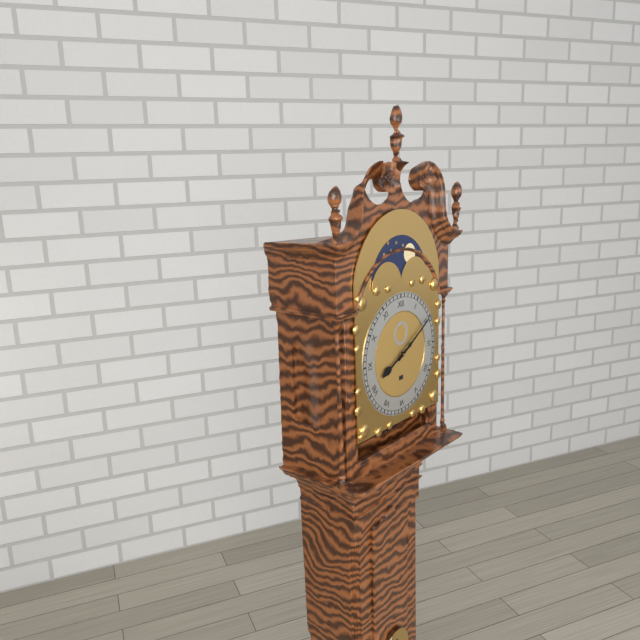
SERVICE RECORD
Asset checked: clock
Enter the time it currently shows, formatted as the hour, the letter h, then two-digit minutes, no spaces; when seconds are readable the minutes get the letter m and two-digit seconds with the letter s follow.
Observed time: 8h10
